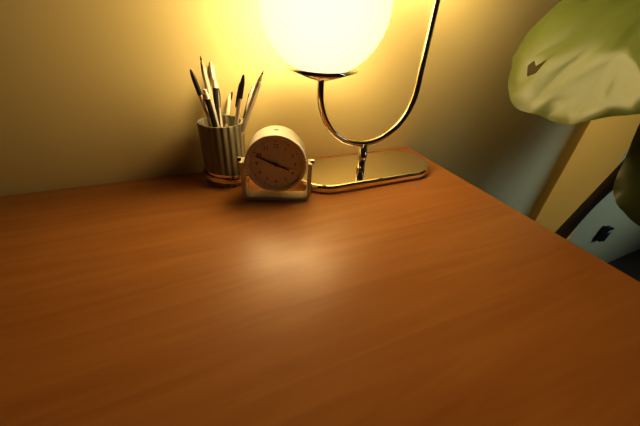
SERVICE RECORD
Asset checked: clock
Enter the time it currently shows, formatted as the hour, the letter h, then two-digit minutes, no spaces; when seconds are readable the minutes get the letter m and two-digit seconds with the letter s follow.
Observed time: 3h49
